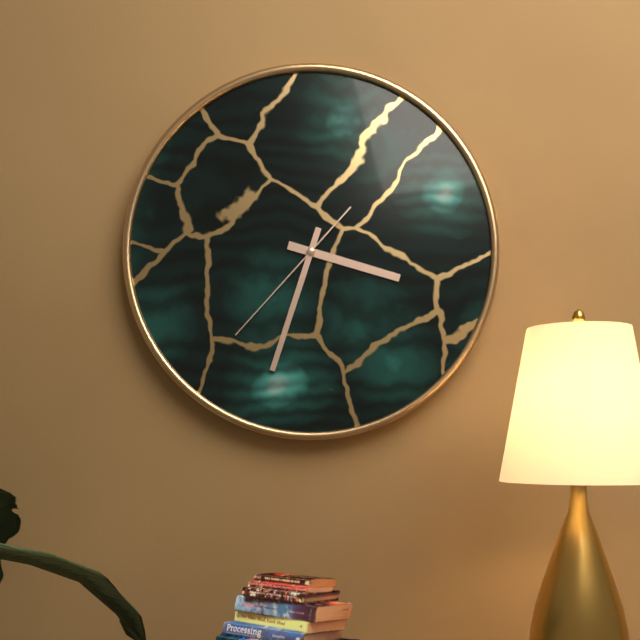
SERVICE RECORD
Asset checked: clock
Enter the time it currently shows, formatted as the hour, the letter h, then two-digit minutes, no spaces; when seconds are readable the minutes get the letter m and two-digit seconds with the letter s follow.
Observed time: 3h33m37s
